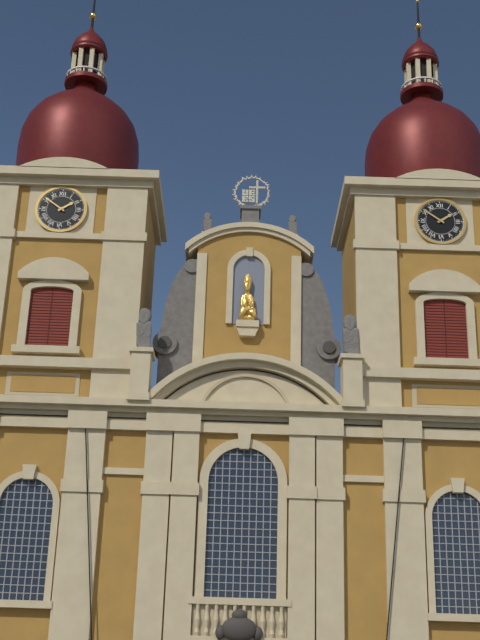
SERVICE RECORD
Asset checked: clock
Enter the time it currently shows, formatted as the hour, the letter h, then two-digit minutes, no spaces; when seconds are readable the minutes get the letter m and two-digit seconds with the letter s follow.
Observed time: 1h51
